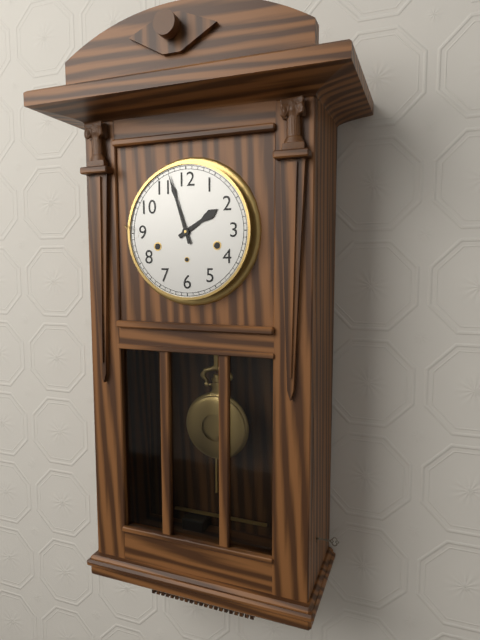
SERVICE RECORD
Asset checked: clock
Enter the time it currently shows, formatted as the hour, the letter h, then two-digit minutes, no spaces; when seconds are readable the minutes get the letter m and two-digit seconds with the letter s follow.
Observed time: 1h57
